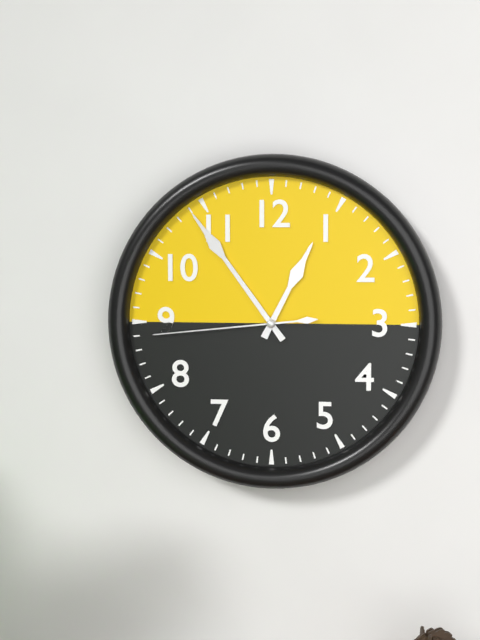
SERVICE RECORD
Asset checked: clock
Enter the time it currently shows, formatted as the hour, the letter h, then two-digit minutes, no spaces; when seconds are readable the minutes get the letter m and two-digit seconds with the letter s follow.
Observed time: 12h54m44s
